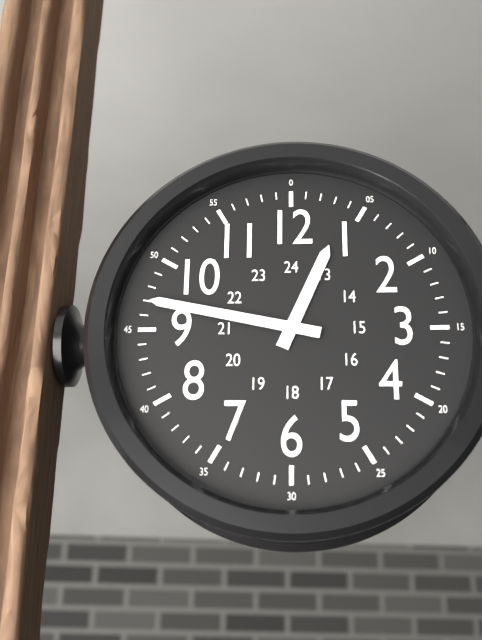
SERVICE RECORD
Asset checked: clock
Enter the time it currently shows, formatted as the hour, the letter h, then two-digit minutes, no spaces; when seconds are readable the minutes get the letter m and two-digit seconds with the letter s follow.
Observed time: 12h47
